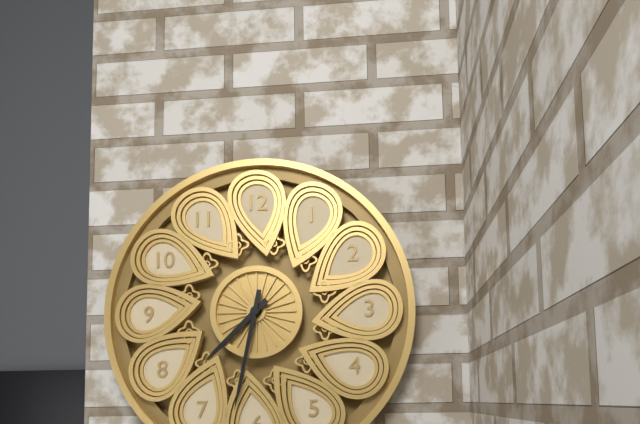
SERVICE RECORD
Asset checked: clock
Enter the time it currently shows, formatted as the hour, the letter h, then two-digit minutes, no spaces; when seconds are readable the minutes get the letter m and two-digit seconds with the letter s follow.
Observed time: 7h32
